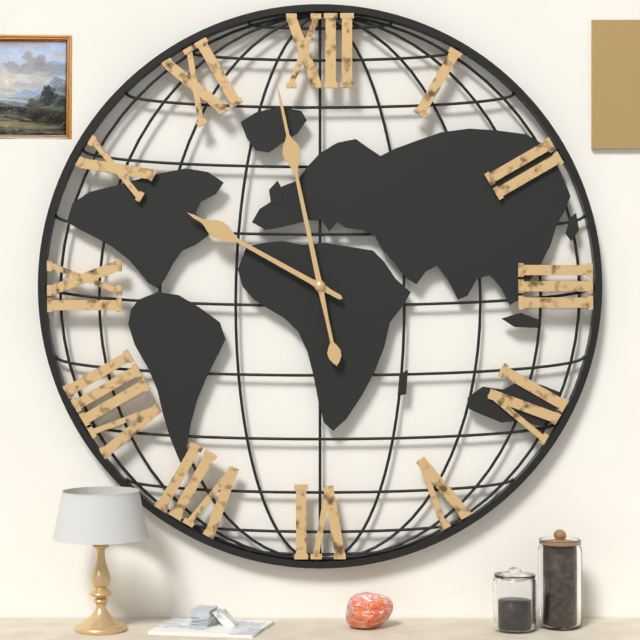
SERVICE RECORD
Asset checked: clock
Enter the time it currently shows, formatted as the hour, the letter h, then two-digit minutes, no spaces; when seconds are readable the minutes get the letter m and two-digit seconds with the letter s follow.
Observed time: 9h58
